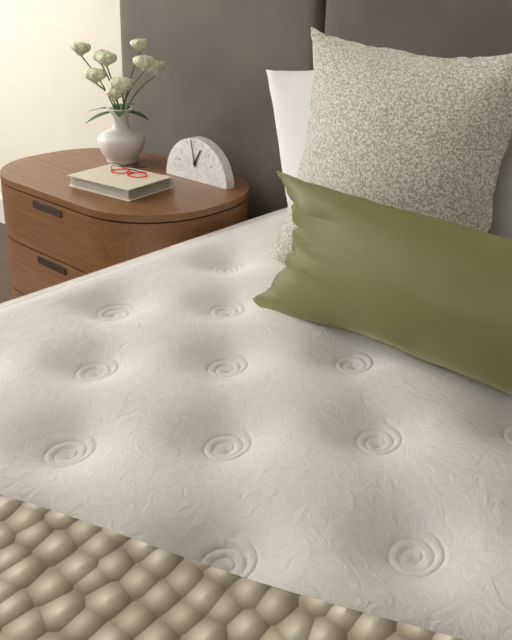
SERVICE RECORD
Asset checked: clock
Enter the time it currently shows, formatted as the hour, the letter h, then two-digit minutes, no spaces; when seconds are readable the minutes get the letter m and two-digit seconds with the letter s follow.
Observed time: 12h58
